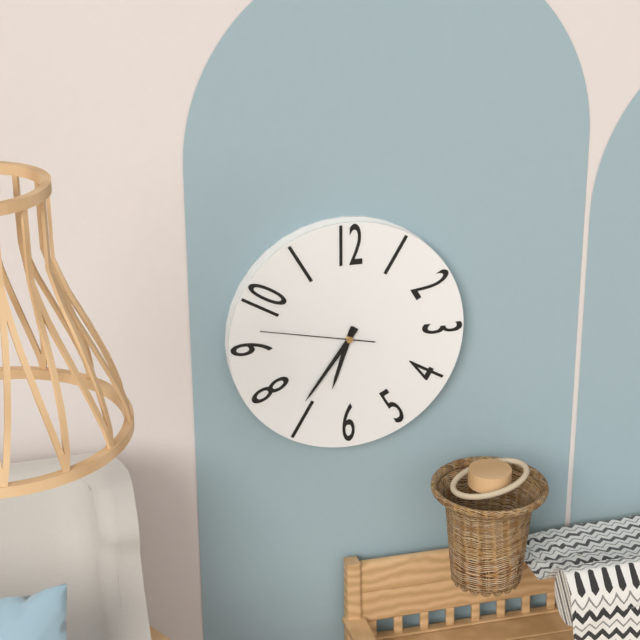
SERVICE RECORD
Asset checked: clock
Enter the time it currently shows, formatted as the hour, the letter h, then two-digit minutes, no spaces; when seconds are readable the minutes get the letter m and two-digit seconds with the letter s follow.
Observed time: 6h36m47s
